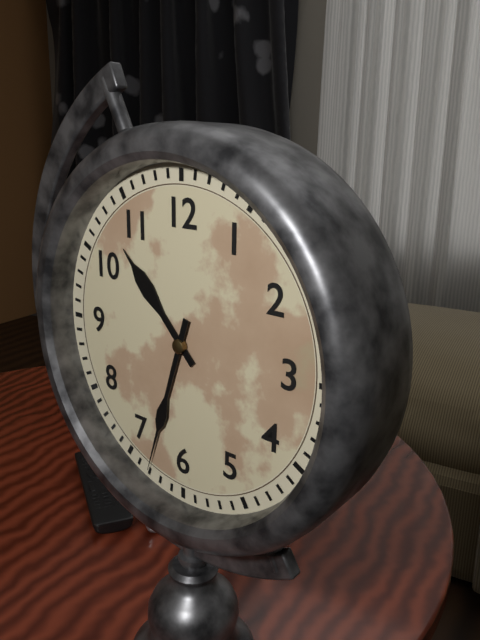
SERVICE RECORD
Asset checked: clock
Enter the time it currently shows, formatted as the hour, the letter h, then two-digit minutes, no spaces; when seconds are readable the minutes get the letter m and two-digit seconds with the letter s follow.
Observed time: 10h33
